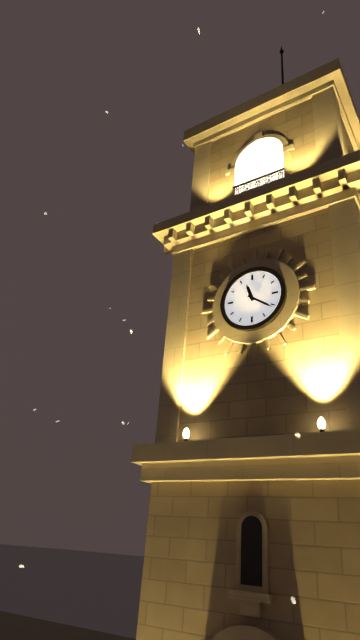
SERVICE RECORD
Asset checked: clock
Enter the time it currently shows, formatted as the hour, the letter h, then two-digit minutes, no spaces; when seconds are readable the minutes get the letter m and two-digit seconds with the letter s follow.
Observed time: 11h21
